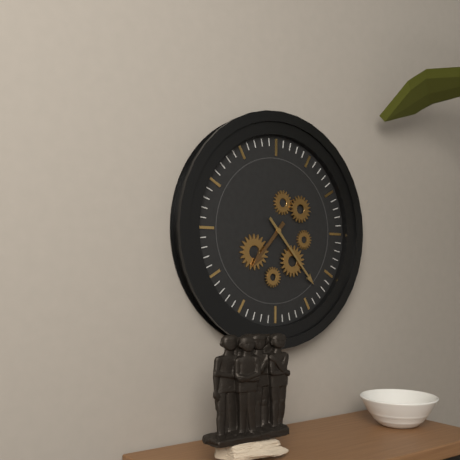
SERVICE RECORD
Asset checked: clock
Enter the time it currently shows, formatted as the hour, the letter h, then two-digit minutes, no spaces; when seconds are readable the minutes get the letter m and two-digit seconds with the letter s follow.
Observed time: 7h23
